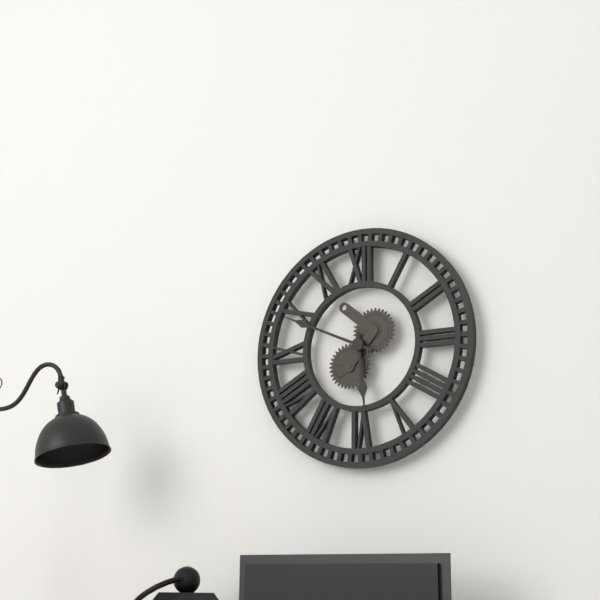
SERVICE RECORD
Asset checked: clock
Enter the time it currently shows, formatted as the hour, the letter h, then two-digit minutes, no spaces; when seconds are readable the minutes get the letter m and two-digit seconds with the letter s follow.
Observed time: 5h49
